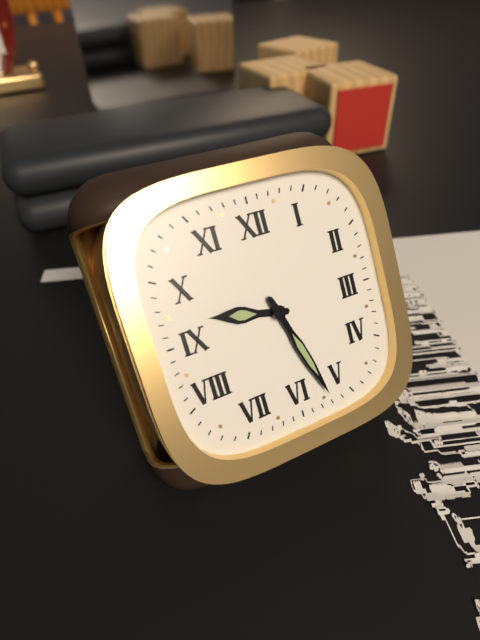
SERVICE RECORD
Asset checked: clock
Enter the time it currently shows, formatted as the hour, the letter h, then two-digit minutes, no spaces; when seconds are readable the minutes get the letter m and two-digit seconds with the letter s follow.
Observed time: 9h27
